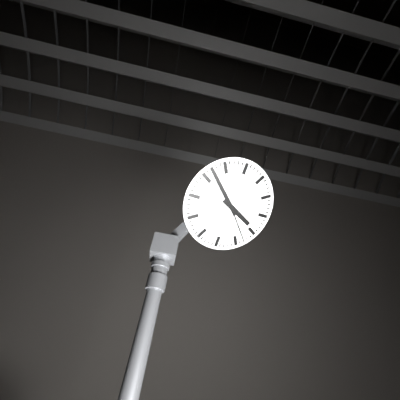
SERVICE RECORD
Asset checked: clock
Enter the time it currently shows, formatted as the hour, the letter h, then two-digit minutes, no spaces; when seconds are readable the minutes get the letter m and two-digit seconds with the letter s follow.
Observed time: 3h52
